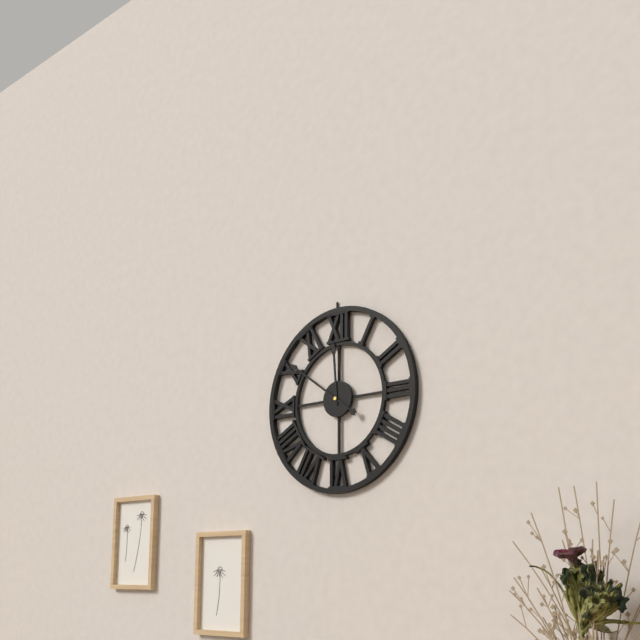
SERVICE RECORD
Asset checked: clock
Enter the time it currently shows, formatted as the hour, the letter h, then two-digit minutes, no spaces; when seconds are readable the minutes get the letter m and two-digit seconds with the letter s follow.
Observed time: 11h51
